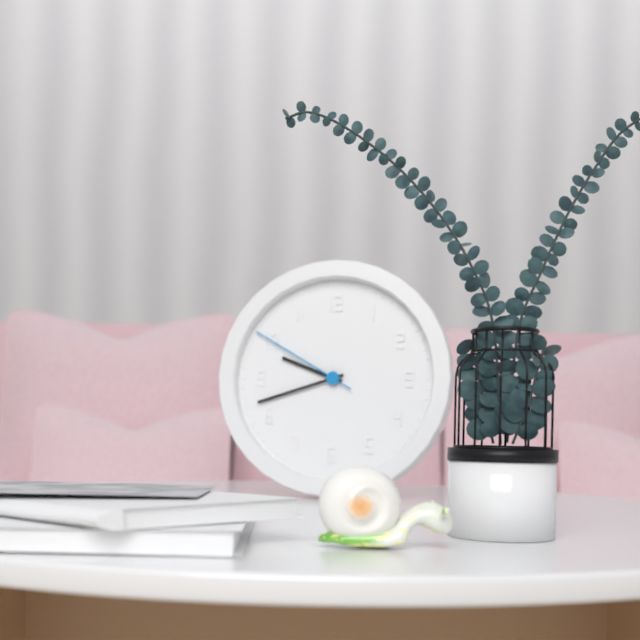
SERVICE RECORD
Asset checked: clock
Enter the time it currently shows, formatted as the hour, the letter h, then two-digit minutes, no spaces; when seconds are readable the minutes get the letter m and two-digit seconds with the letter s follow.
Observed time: 9h42m50s
